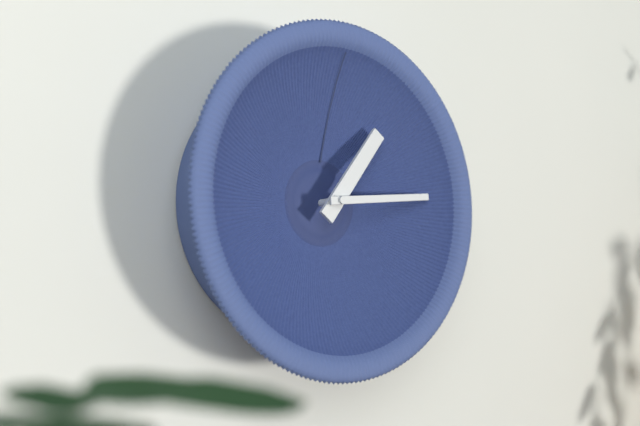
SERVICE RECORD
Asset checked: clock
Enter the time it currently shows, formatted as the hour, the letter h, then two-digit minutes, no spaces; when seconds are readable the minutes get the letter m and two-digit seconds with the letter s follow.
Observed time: 1h14
